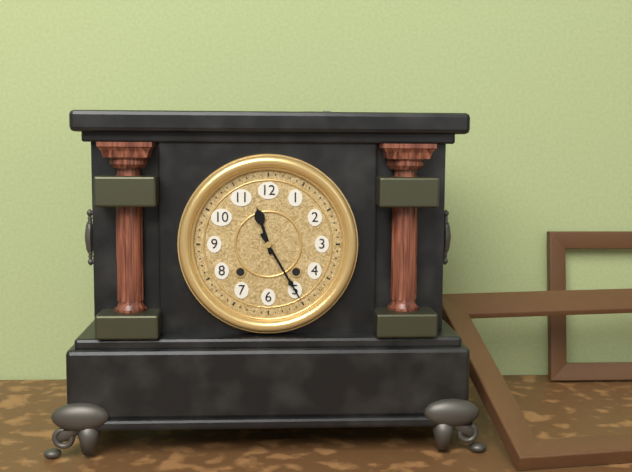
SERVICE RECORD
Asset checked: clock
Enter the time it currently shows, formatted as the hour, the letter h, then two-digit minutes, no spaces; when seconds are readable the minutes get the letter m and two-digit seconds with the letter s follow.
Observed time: 11h25
